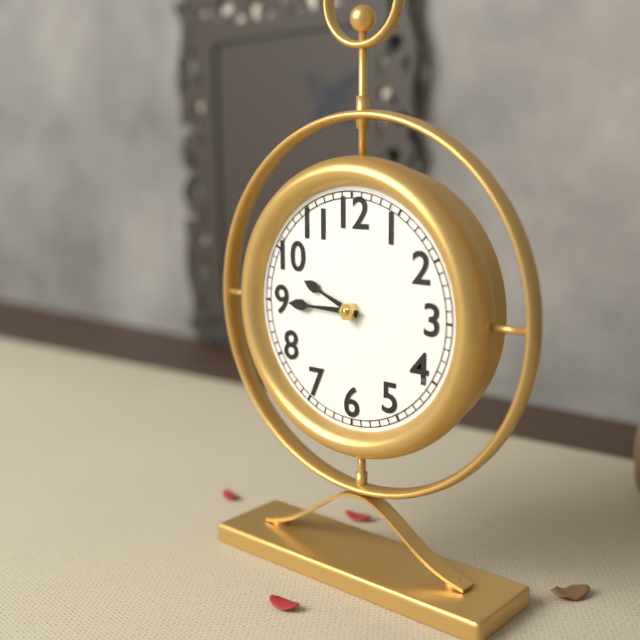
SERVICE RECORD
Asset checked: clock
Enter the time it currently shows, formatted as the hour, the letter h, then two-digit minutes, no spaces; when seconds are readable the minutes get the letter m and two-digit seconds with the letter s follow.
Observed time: 9h45
